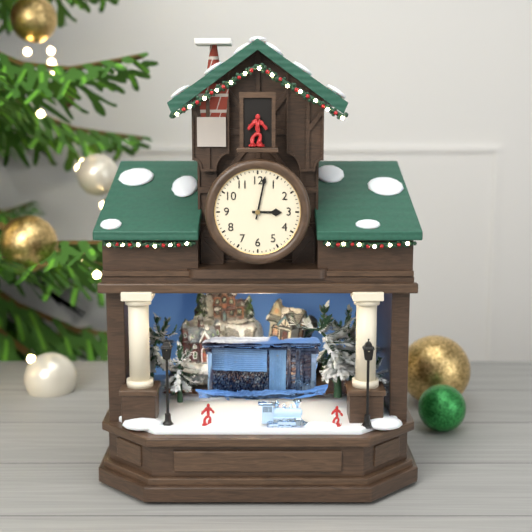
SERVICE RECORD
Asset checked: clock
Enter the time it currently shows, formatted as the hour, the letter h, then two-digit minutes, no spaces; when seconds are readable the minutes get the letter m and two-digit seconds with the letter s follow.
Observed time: 3h02
